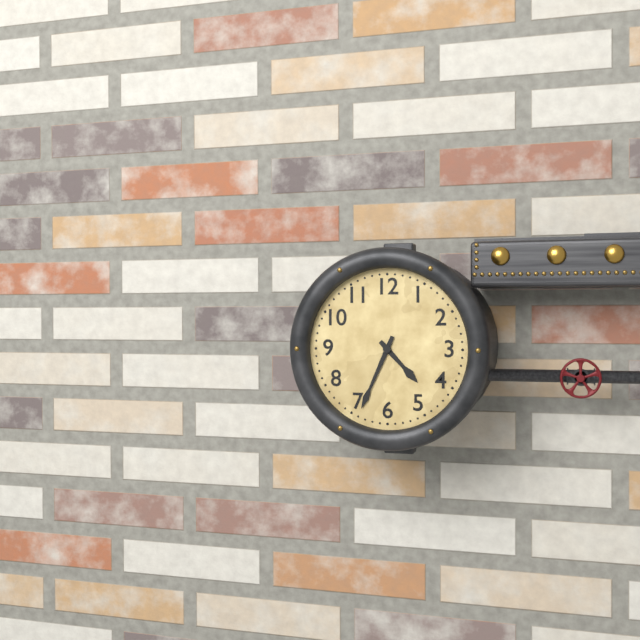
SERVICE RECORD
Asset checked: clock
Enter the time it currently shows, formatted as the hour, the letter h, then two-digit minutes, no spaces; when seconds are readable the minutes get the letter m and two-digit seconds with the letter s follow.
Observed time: 4h34
